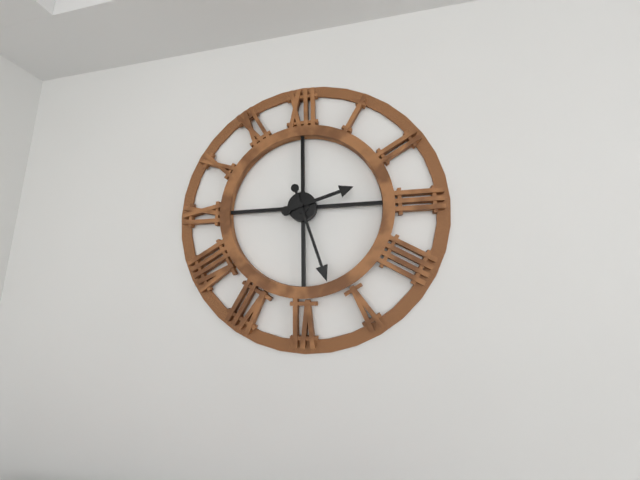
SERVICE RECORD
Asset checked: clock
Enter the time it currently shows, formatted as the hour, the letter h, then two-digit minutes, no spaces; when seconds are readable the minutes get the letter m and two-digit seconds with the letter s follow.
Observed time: 2h27
